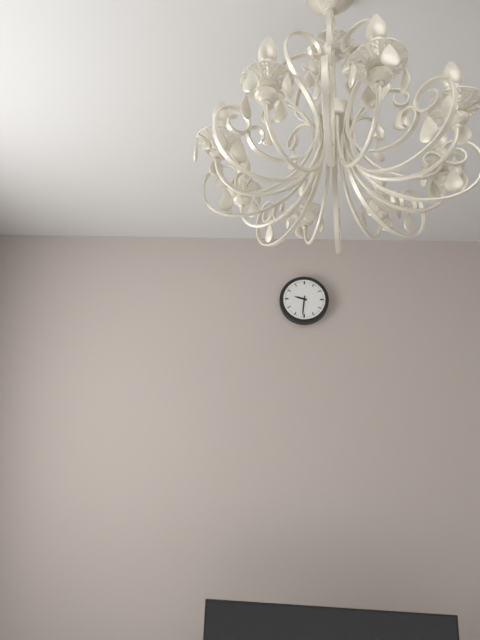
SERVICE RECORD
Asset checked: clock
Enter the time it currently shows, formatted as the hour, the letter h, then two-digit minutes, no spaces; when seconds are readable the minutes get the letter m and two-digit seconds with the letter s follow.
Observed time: 9h31
